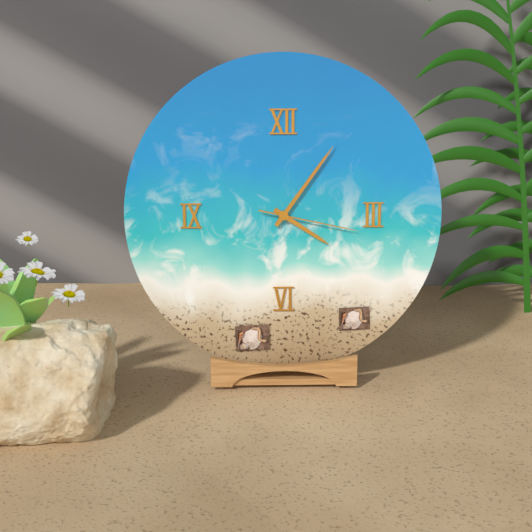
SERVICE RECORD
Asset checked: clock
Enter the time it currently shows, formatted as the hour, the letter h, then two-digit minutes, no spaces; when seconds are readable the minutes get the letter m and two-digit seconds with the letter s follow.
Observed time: 4h06m17s
